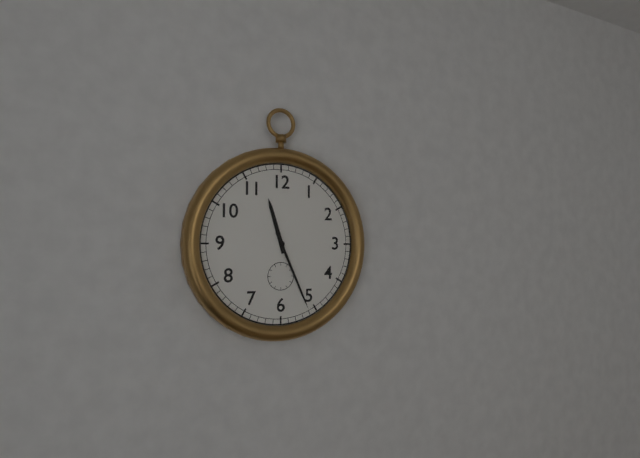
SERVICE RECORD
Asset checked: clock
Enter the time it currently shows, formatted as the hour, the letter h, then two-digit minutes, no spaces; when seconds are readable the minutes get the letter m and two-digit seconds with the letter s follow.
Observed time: 11h26
